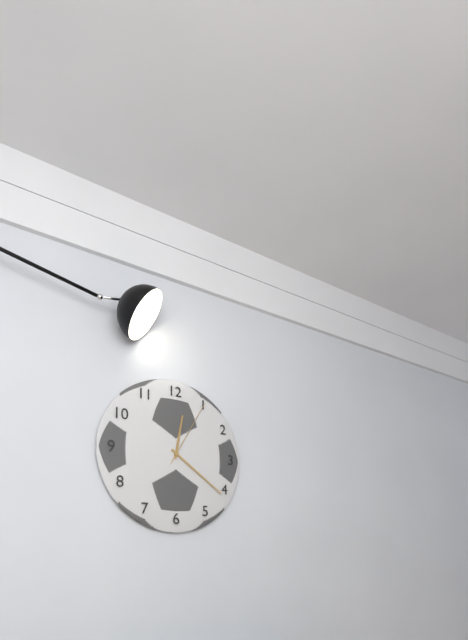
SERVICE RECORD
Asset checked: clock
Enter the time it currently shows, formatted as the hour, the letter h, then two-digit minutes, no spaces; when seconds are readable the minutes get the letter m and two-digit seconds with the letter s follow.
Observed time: 12h21m05s
